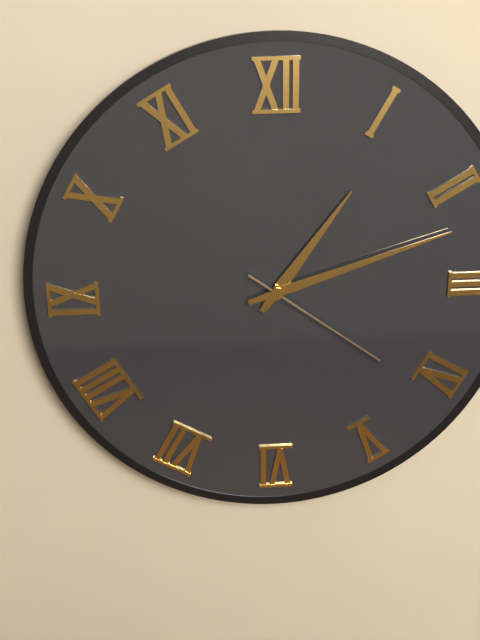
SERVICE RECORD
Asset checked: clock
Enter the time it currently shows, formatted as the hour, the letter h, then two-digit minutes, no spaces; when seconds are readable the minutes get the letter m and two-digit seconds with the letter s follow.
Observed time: 1h12m21s
